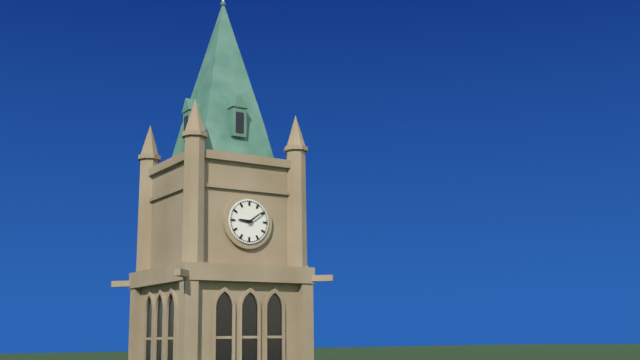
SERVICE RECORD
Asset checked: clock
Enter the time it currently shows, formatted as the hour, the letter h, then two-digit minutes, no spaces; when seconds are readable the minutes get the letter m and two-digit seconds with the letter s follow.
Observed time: 9h09
